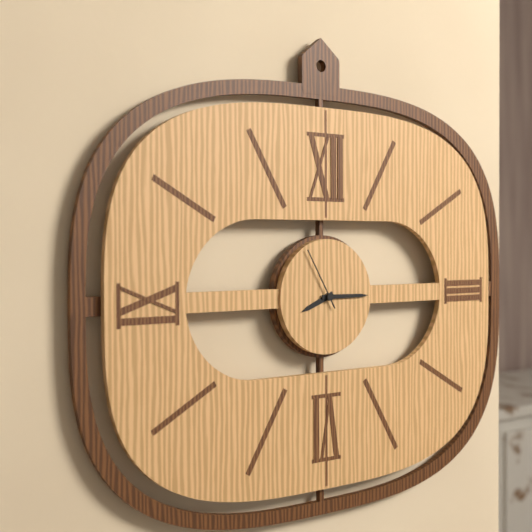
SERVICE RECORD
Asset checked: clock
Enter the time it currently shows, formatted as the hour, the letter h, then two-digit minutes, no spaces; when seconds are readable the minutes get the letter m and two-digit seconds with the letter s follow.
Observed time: 8h15m55s
